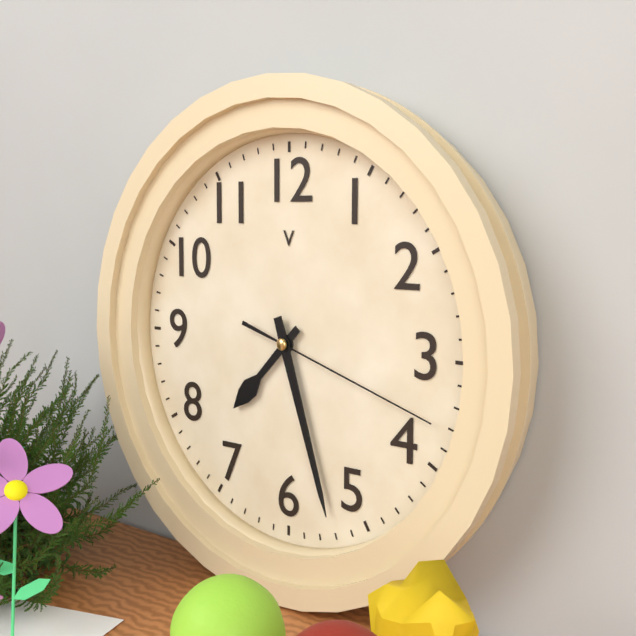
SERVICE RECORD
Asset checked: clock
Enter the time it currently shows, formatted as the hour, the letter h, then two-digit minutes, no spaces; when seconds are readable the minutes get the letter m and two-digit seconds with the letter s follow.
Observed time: 7h27m18s
